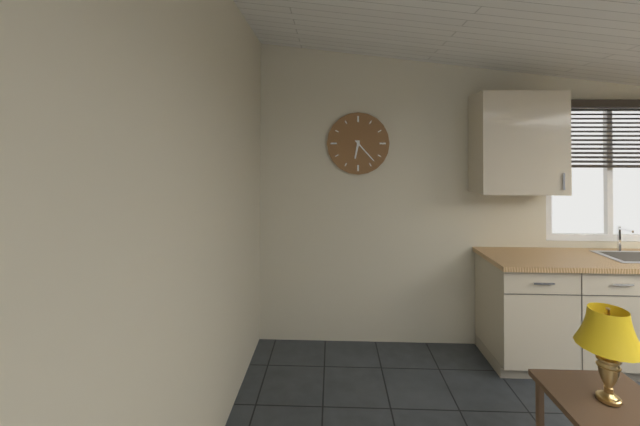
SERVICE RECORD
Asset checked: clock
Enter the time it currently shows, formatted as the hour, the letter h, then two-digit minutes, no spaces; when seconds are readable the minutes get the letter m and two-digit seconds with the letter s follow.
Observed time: 6h23
